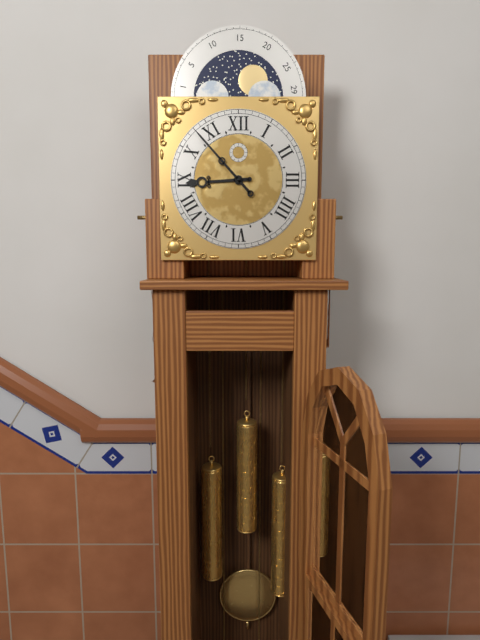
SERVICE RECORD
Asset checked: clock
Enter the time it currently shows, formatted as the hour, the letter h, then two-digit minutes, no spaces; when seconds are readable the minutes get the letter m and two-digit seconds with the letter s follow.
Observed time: 8h53
